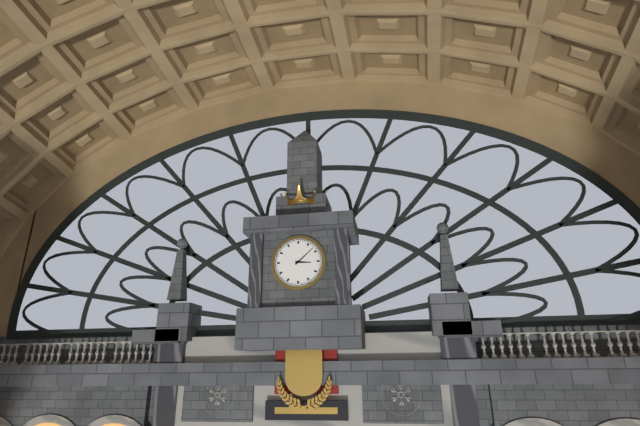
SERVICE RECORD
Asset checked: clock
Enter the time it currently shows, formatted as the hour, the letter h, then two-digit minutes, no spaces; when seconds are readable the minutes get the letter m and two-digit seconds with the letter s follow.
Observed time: 3h08
